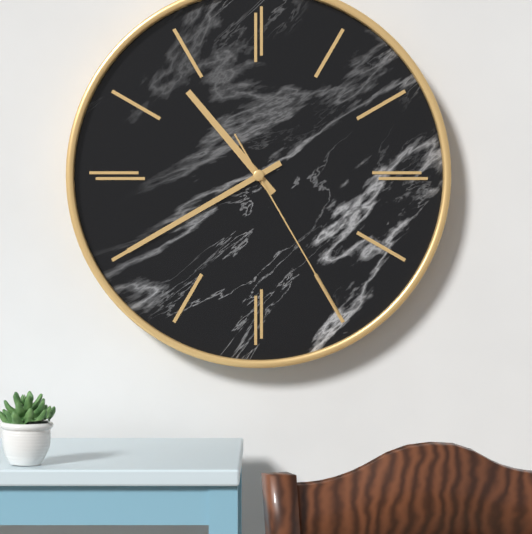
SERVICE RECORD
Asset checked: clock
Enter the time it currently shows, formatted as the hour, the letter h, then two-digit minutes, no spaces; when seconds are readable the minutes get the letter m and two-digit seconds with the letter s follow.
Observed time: 10h40m25s
